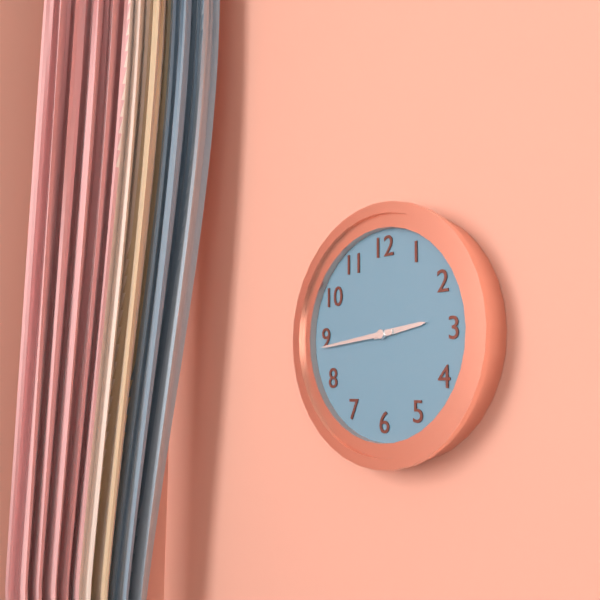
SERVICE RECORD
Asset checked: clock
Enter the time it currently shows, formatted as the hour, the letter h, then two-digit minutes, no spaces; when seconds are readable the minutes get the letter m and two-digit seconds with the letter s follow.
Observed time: 2h44
